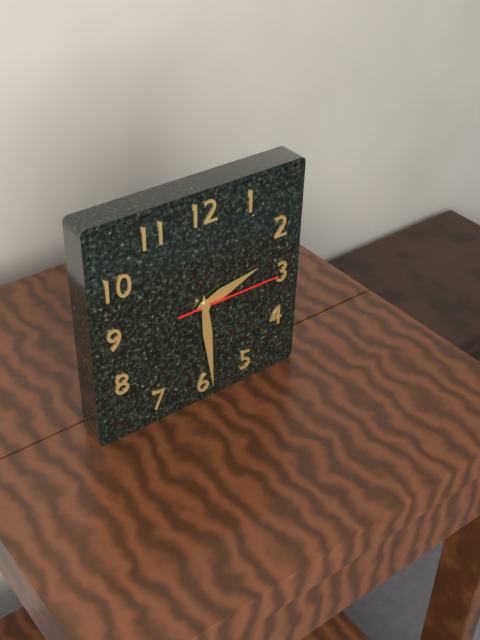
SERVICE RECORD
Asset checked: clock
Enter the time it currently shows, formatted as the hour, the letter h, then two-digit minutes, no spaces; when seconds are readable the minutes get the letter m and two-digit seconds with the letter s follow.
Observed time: 2h29m15s
